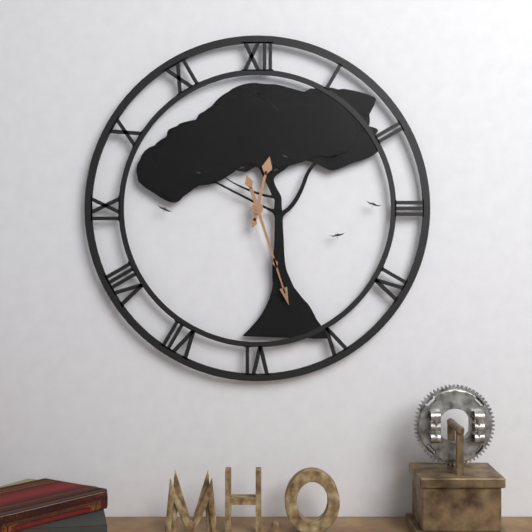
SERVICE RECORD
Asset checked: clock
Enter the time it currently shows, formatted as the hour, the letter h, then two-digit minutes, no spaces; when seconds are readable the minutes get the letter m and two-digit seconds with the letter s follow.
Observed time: 12h27
